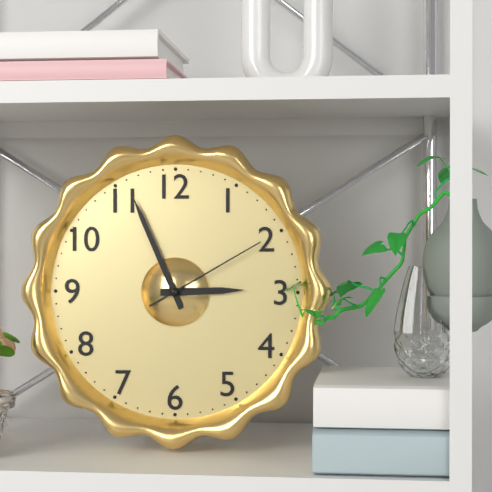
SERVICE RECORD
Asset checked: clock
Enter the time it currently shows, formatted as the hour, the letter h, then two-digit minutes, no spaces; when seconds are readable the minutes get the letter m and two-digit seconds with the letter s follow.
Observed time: 2h56m10s
